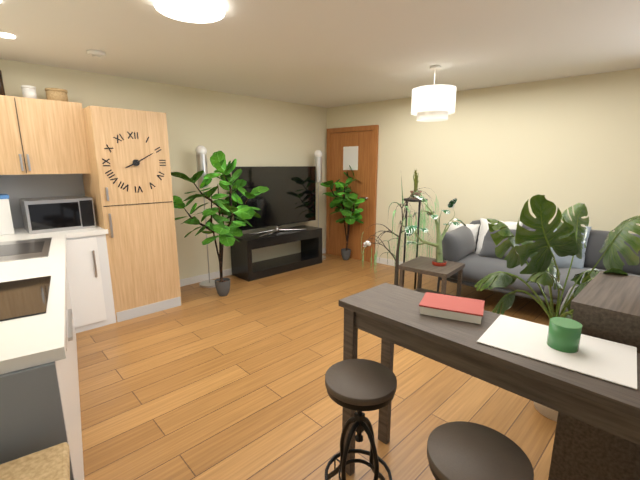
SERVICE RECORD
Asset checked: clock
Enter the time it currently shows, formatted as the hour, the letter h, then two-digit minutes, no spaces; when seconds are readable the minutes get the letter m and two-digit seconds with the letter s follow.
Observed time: 8h10
